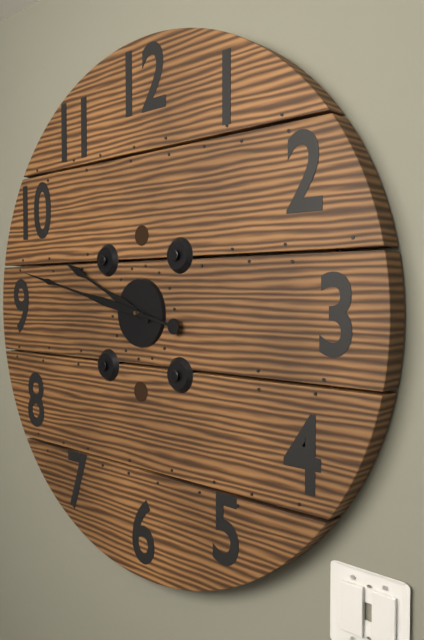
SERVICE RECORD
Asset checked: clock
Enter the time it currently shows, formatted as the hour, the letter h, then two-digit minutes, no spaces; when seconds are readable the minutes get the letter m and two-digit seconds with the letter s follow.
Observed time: 9h47
